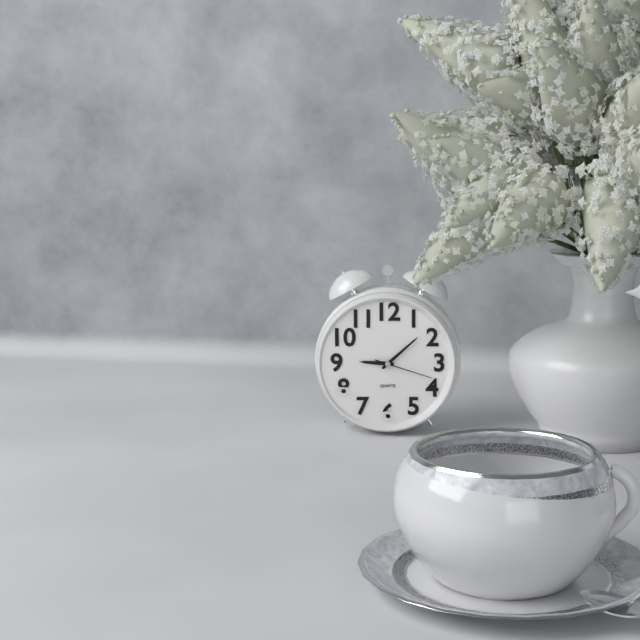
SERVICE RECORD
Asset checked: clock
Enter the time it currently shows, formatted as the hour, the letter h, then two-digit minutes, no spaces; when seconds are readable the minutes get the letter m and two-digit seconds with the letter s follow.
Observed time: 9h08m18s
